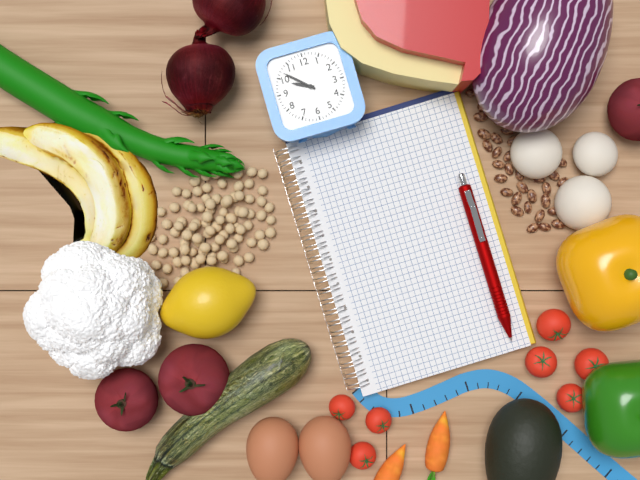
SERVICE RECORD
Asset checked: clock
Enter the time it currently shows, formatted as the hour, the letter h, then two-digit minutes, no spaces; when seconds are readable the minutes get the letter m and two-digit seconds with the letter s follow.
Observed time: 9h52
